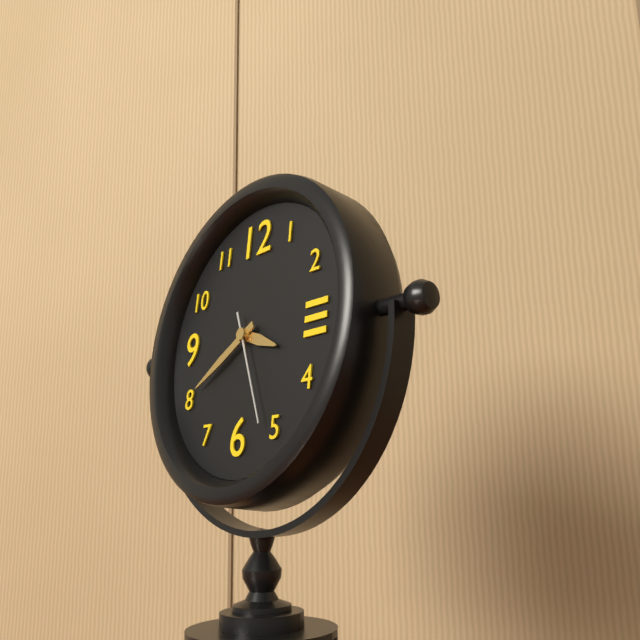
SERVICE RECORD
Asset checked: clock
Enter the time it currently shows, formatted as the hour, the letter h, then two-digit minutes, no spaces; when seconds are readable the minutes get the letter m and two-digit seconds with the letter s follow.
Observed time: 3h40m26s
